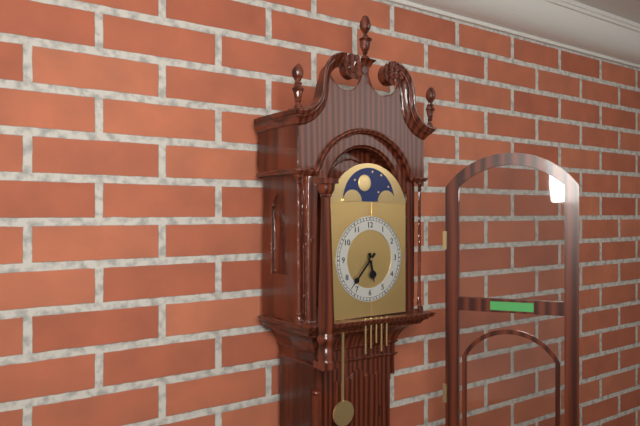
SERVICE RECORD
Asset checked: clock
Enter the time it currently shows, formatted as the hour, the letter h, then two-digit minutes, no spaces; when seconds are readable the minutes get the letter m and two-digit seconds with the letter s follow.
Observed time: 5h37
